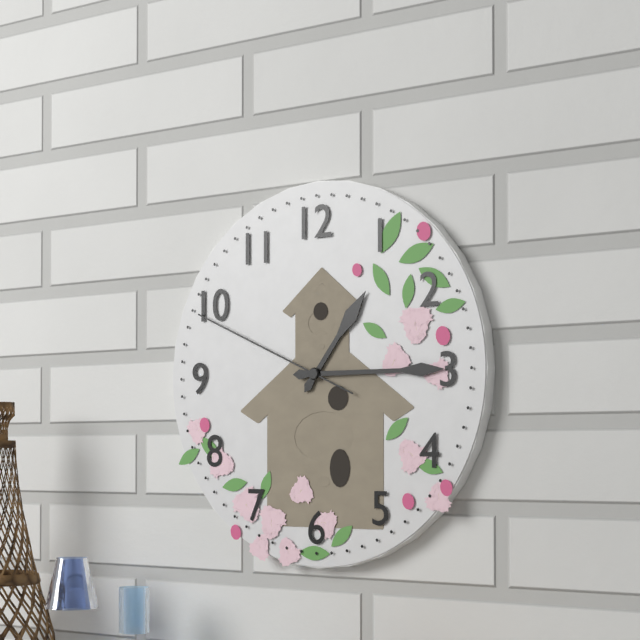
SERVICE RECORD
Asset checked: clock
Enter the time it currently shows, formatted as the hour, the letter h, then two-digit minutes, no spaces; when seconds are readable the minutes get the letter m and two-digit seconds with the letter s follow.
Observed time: 1h15m49s
